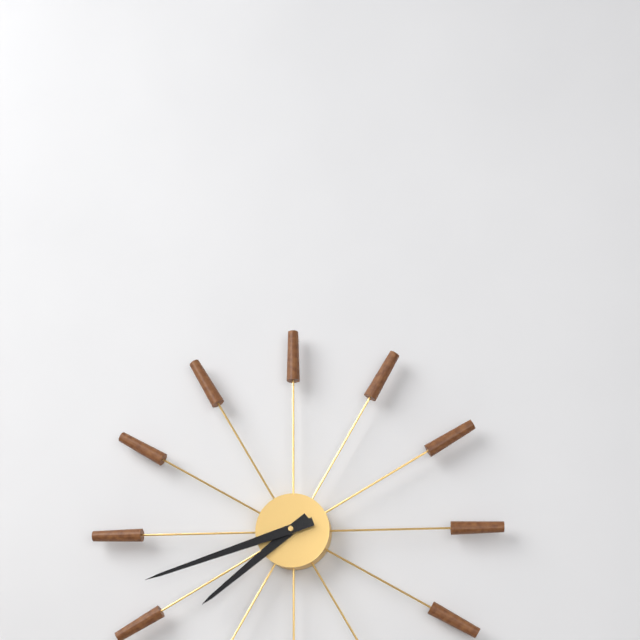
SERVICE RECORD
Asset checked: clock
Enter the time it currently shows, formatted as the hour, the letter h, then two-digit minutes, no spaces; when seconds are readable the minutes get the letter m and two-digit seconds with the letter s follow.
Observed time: 7h42
